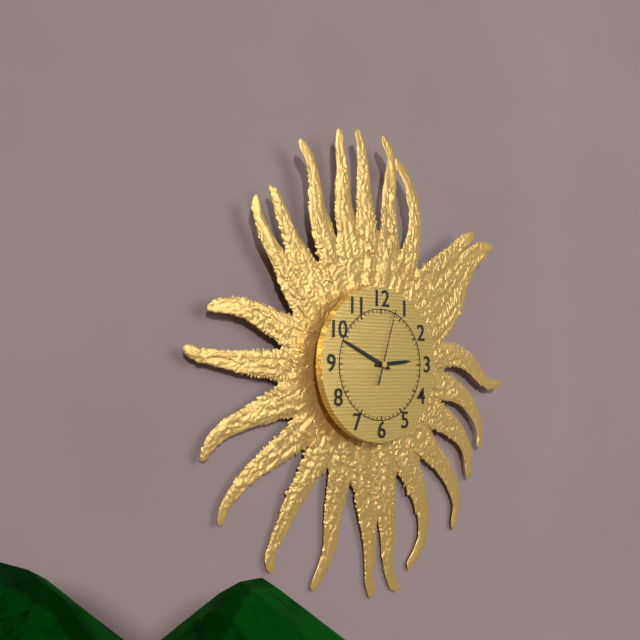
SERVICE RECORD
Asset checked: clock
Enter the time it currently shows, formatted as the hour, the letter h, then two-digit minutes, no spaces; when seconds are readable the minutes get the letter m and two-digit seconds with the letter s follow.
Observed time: 2h49m03s
